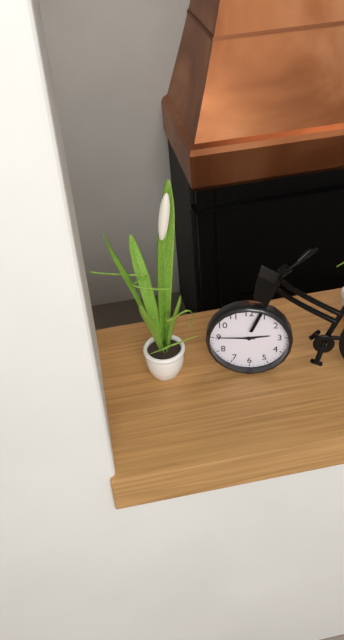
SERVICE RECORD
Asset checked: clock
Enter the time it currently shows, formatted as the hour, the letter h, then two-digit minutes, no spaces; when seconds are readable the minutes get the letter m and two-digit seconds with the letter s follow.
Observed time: 2h45
